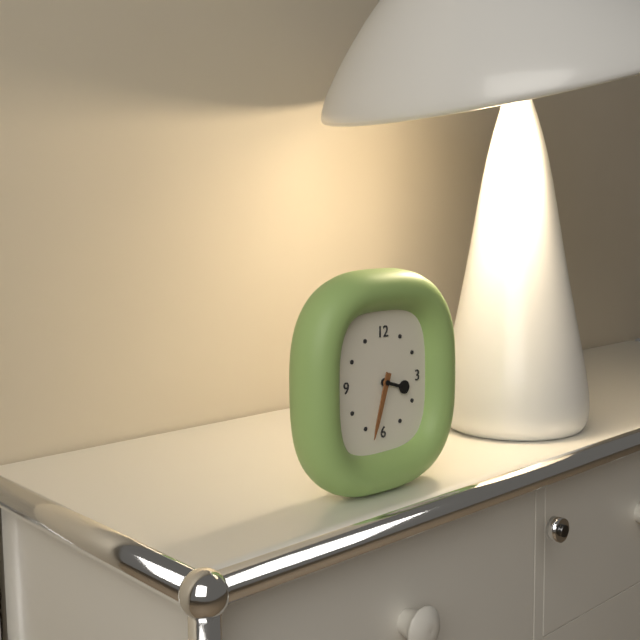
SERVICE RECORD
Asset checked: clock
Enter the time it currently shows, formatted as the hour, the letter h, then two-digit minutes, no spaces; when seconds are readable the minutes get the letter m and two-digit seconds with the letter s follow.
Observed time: 3h33
